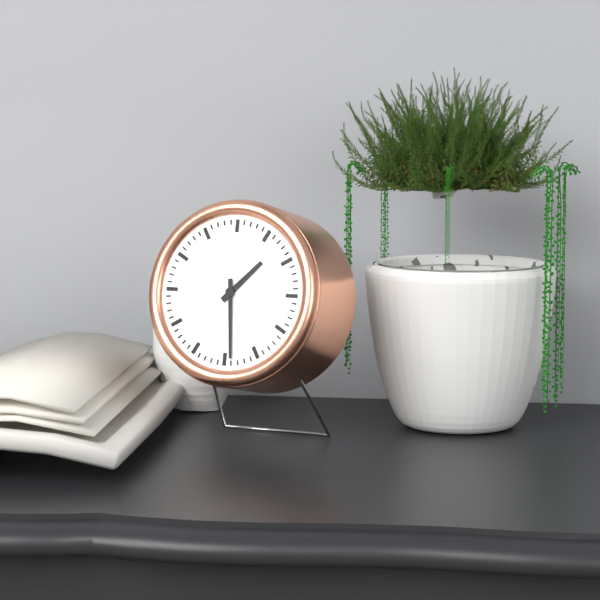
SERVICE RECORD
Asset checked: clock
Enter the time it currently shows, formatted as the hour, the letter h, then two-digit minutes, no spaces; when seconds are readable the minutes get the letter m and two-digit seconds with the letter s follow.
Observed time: 1h29
